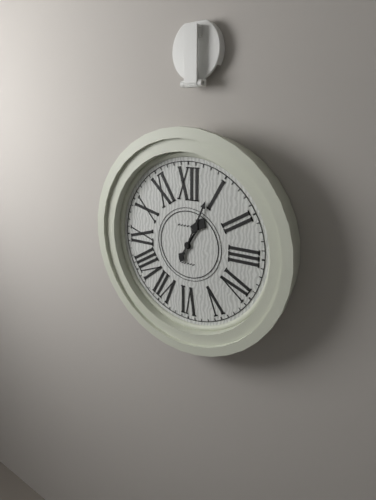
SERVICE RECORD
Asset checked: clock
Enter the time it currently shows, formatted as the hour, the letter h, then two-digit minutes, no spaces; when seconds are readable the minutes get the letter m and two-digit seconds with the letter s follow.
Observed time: 1h04
